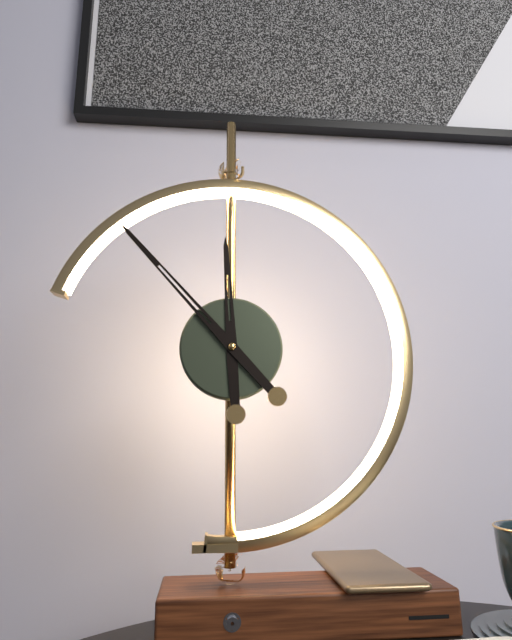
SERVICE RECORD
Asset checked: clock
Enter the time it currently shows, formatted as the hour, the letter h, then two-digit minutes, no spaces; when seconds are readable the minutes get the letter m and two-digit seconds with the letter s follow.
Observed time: 11h53
